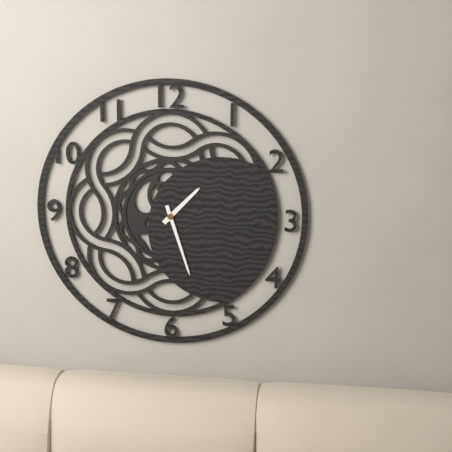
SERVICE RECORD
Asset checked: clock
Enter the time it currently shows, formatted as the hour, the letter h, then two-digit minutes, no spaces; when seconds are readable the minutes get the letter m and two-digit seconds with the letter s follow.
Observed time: 1h27
